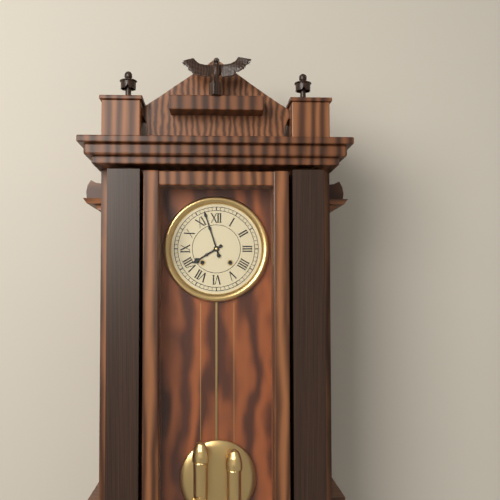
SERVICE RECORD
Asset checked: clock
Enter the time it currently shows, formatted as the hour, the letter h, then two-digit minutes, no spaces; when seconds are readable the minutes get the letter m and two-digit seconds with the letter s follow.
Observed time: 7h57
